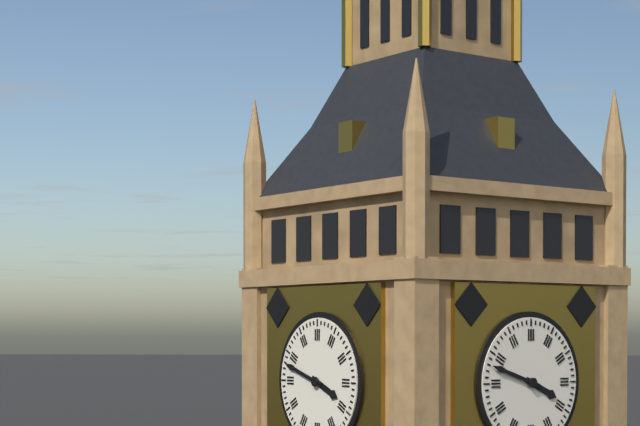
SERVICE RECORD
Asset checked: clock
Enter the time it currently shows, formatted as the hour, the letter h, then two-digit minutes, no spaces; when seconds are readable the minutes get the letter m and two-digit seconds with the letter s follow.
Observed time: 3h48
